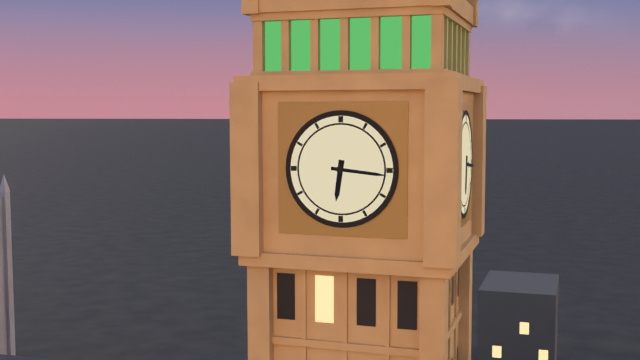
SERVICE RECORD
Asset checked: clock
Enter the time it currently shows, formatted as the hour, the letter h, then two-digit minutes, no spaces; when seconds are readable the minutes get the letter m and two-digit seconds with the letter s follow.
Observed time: 6h16
